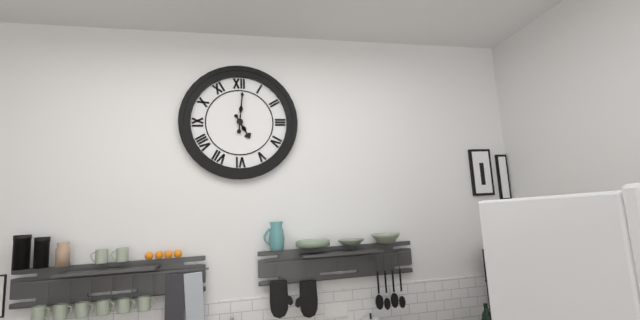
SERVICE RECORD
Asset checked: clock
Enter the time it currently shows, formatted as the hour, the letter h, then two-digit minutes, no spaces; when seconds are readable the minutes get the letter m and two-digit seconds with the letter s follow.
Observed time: 5h01
